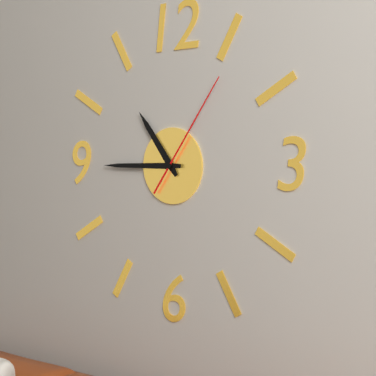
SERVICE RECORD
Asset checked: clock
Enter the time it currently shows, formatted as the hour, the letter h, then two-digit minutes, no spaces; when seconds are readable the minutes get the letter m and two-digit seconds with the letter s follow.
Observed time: 10h45m06s
